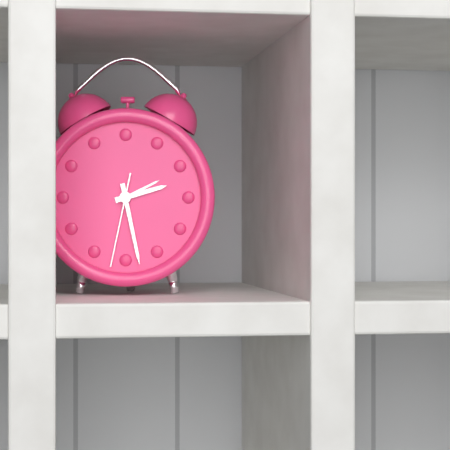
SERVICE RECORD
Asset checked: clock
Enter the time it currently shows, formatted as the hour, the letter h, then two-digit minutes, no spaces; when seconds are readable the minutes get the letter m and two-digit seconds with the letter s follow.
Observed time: 2h28m32s
